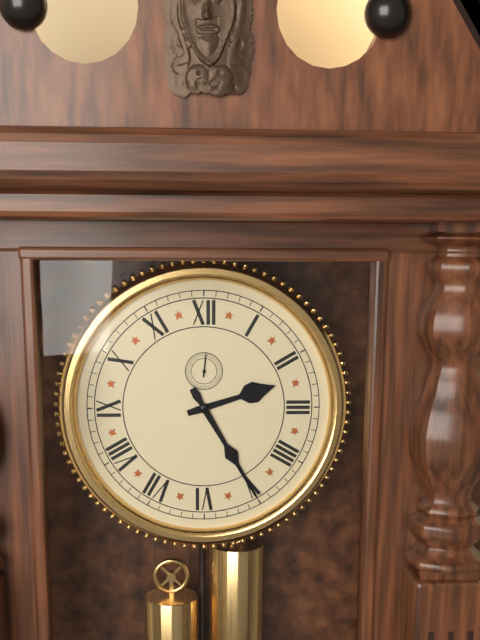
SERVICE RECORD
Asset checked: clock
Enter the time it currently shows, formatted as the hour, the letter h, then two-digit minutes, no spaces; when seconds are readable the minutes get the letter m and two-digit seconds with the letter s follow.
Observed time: 2h25
